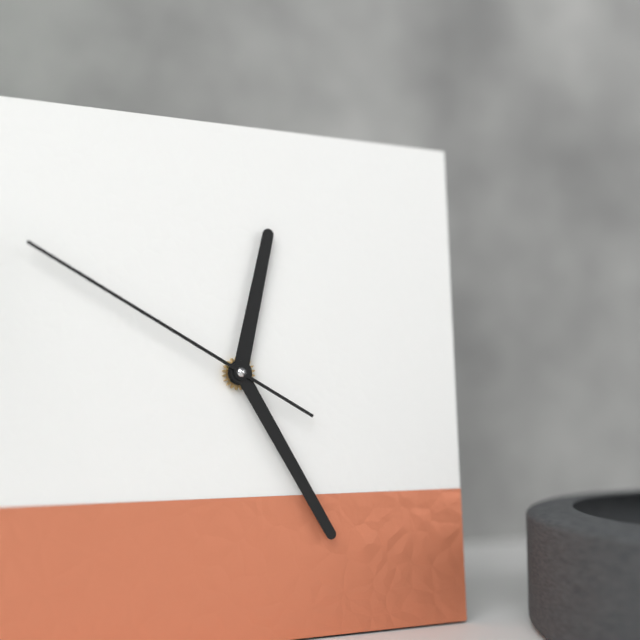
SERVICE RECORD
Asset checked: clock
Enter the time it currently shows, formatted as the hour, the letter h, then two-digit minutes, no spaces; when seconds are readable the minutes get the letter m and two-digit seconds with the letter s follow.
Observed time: 12h25m50s
